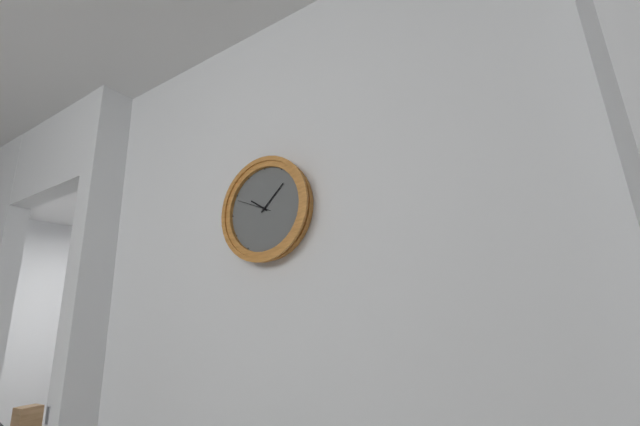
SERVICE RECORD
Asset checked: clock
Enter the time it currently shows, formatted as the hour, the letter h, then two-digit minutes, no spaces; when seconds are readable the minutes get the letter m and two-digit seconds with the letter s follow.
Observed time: 10h08
